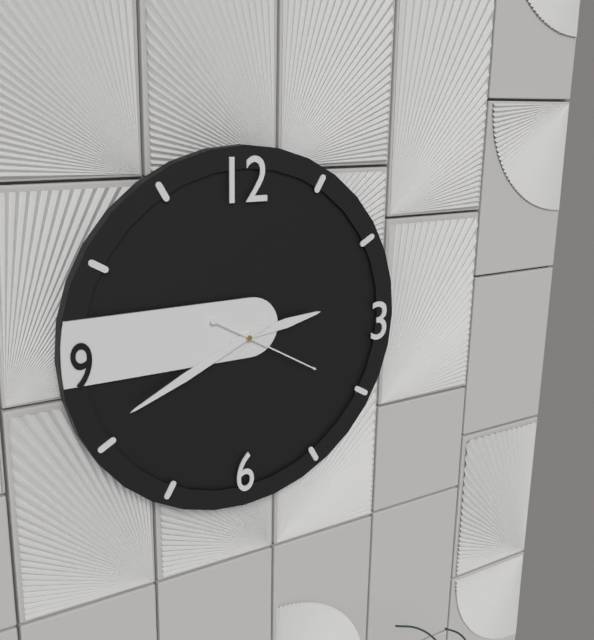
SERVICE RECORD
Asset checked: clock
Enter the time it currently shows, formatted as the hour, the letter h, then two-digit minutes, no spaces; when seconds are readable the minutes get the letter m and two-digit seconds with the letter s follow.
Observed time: 2h41m20s
